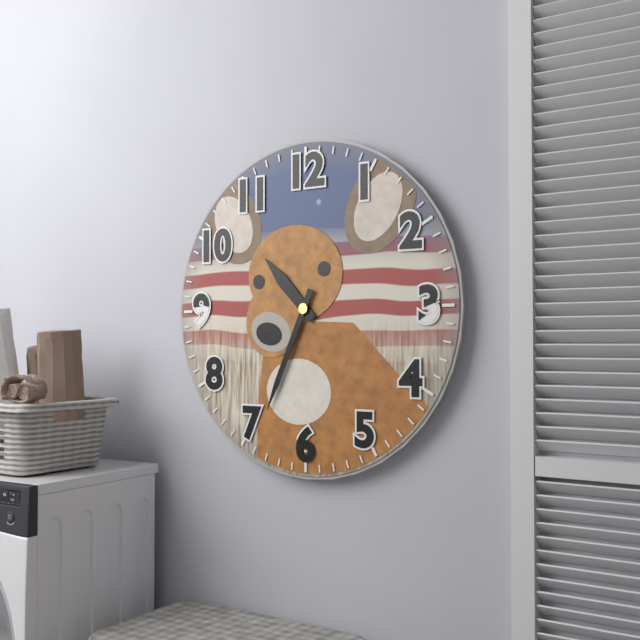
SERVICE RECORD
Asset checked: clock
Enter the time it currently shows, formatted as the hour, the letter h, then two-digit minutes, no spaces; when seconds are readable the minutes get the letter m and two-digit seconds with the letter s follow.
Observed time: 10h34
